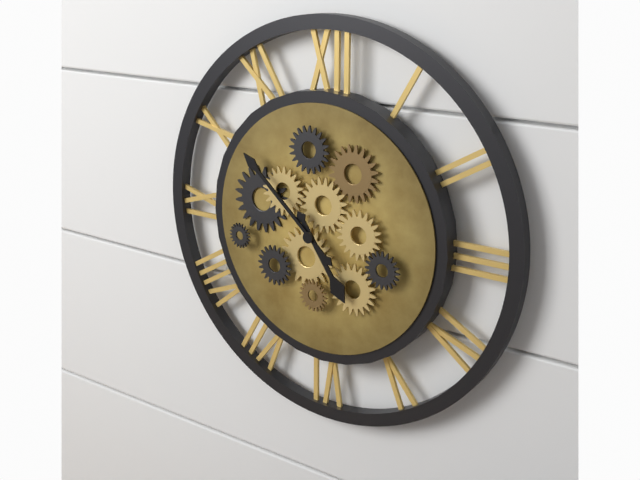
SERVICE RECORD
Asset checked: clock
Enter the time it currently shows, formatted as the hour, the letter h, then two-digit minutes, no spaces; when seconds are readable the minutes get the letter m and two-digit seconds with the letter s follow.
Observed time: 4h52
